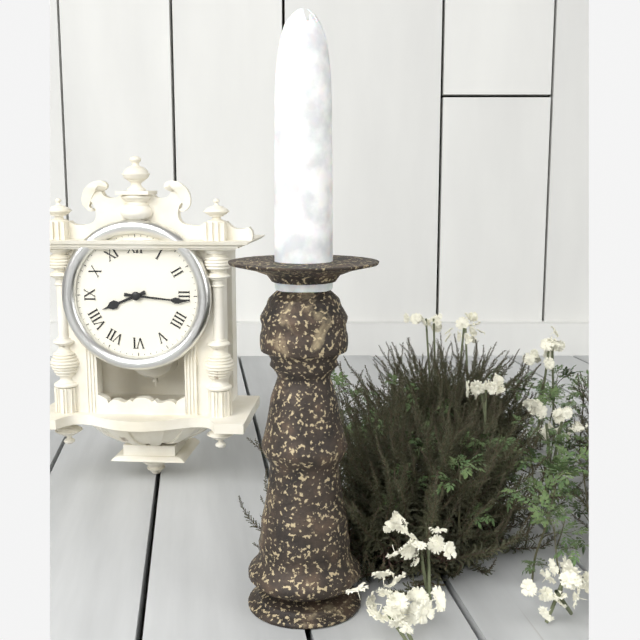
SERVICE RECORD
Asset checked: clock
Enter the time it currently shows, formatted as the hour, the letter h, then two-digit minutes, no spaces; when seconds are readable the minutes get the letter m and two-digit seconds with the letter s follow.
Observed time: 8h16
